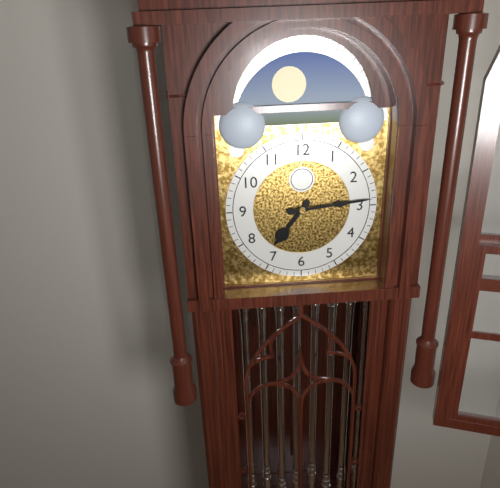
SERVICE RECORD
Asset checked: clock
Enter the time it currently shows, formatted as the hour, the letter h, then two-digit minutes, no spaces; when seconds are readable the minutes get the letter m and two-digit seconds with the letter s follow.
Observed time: 7h14
